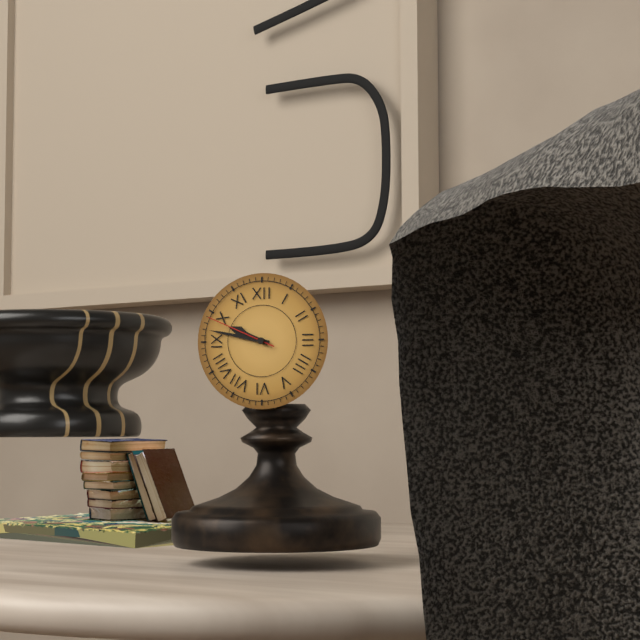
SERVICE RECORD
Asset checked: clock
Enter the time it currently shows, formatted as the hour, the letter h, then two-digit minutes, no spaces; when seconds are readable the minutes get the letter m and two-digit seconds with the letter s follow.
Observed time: 9h47m49s
